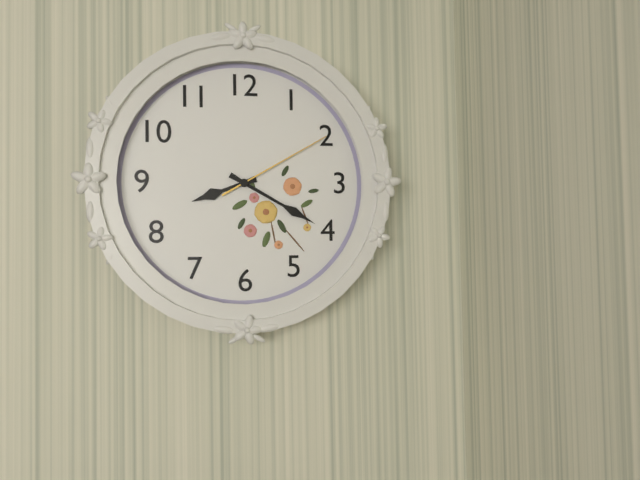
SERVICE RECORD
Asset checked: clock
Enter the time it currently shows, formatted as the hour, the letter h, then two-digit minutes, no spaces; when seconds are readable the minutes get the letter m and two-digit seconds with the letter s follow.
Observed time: 8h20m10s
